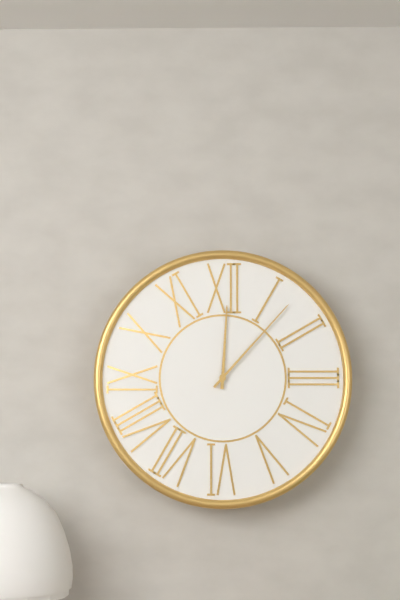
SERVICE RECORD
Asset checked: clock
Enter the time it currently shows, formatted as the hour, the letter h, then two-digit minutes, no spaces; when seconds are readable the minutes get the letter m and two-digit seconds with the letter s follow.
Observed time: 12h07
